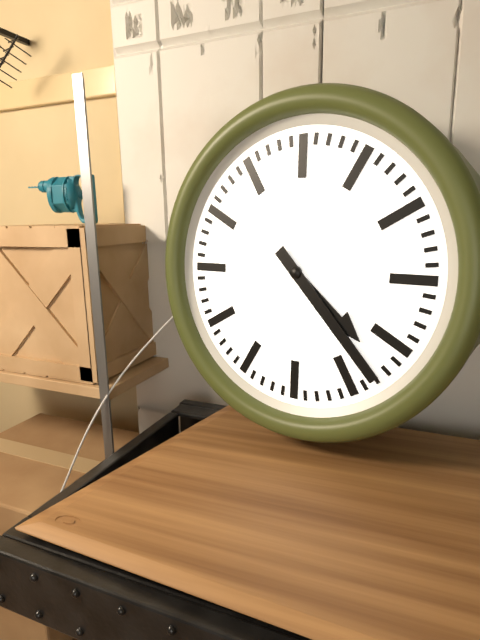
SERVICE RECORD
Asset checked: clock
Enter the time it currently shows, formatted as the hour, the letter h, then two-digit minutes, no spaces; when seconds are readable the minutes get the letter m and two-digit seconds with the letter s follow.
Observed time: 4h23
